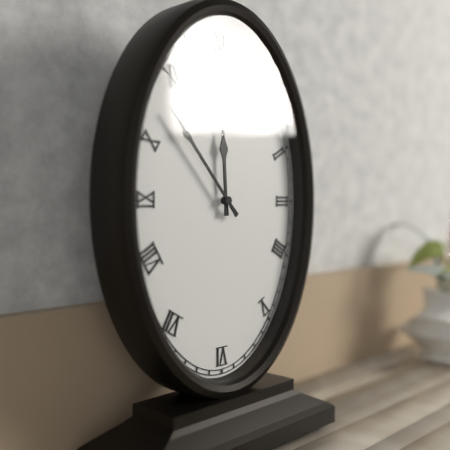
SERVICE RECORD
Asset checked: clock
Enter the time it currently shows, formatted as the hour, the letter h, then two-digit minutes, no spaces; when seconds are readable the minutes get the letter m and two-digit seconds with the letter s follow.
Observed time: 11h53
